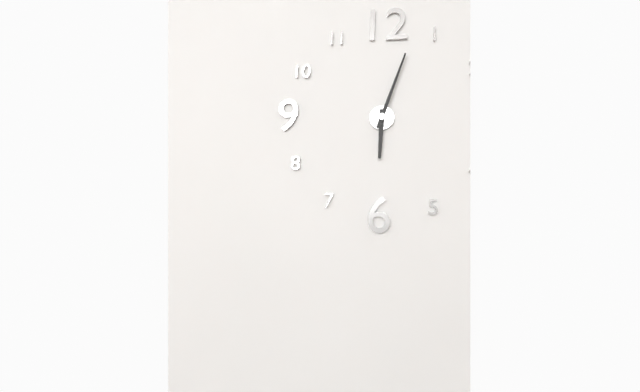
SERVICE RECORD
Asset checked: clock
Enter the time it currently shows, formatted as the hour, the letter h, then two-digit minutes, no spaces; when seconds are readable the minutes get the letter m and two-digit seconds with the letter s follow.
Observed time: 6h03
